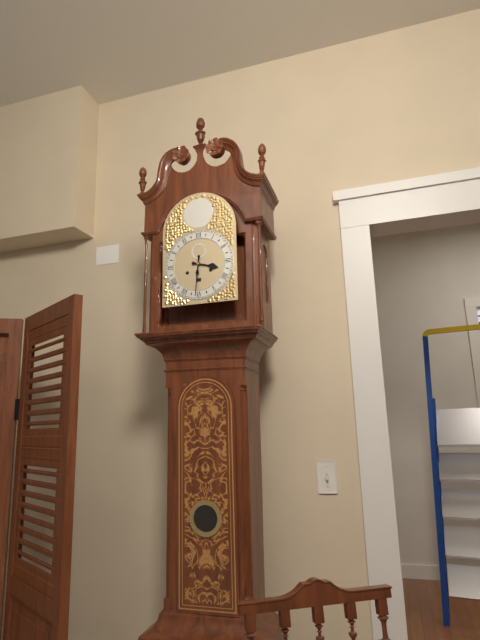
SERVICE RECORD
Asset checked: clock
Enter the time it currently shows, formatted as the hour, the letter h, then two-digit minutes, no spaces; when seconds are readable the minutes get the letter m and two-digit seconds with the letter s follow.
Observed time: 3h31
